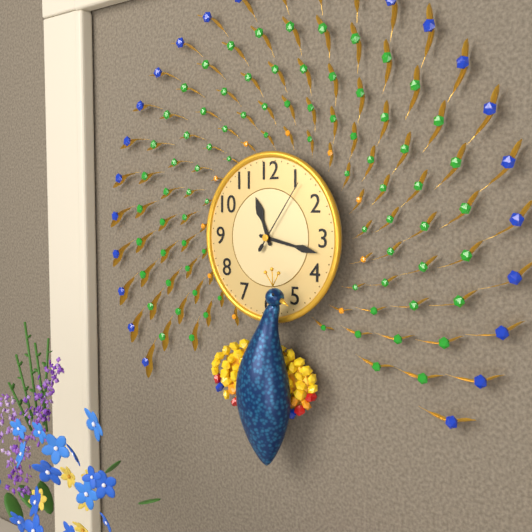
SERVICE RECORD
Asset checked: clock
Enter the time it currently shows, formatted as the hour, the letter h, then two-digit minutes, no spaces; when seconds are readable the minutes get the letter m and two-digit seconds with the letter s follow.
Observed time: 11h17m06s
